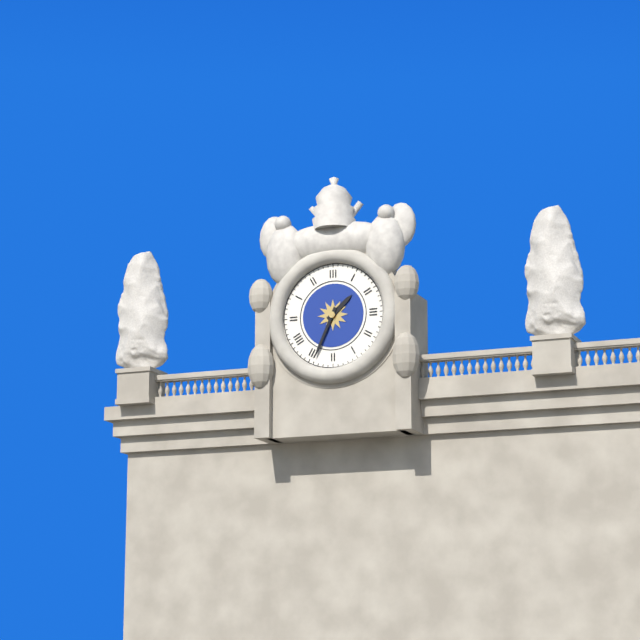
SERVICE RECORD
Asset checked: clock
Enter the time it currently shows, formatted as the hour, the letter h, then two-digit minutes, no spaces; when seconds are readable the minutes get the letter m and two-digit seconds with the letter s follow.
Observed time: 1h34
